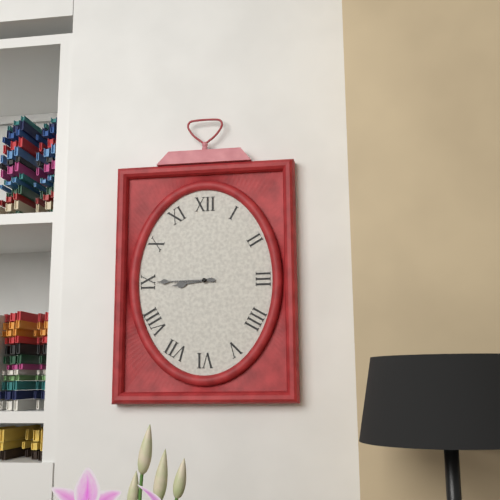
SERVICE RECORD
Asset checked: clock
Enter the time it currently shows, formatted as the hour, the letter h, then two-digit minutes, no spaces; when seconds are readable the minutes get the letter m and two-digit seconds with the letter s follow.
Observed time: 8h45
